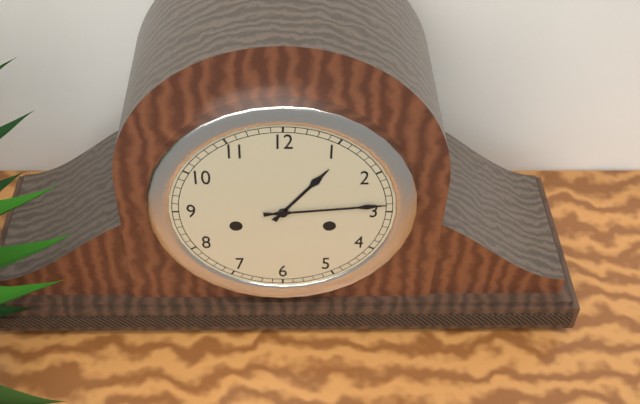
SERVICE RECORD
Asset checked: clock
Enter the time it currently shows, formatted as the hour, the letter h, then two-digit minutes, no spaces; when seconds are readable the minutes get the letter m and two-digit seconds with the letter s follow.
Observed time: 1h14
